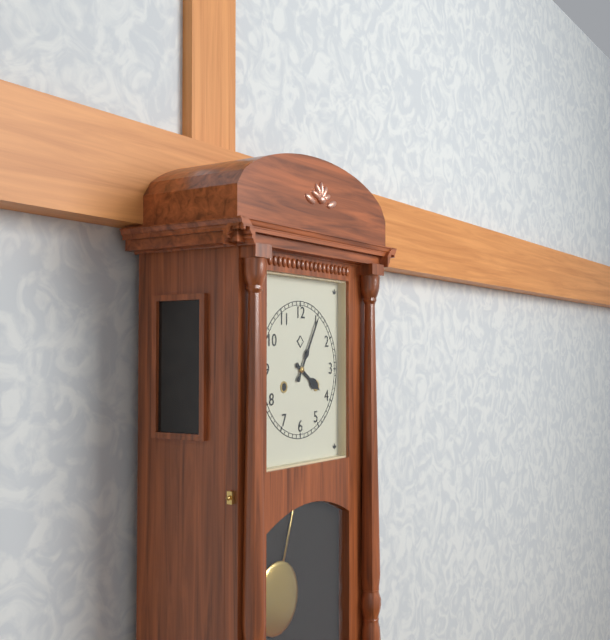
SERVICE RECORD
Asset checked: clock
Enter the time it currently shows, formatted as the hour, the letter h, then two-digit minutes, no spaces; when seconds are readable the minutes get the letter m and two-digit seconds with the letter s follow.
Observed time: 4h05
